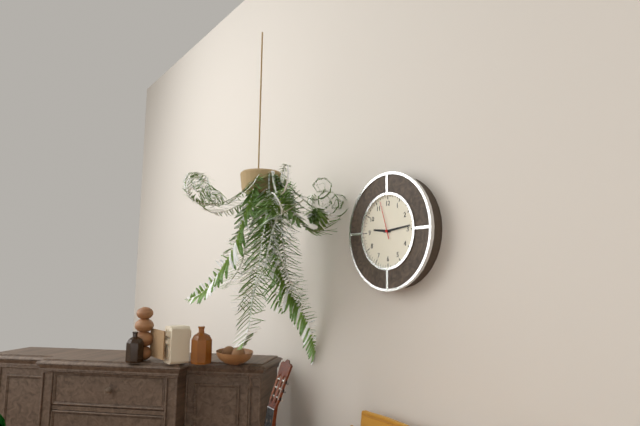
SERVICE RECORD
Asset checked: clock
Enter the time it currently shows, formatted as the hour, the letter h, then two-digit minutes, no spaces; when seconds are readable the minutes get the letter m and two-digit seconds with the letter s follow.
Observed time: 9h14
